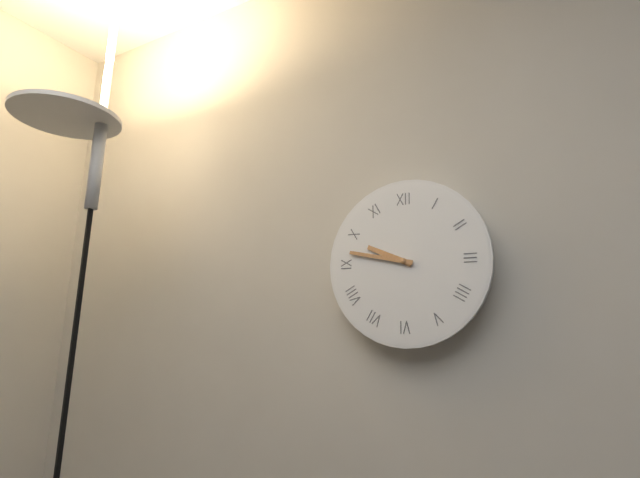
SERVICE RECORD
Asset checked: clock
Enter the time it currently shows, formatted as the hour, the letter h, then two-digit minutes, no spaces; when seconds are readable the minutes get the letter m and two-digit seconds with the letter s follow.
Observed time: 9h47
